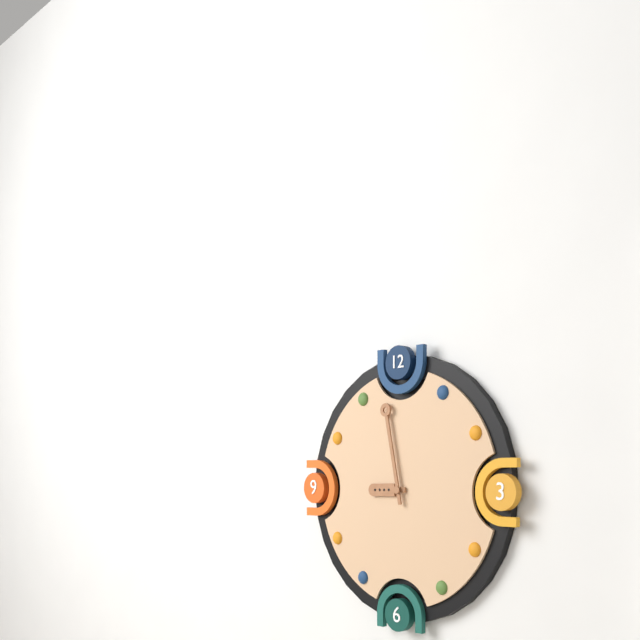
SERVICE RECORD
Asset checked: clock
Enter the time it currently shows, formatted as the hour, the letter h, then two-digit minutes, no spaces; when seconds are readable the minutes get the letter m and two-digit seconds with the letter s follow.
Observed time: 8h58
